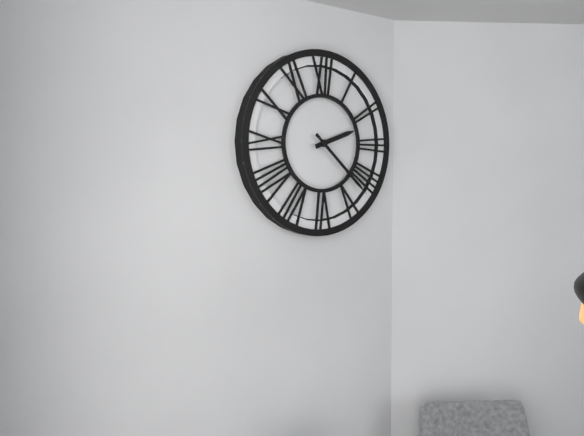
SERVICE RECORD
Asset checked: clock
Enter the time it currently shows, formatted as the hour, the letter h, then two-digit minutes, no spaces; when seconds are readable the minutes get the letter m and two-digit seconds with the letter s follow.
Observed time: 2h22
